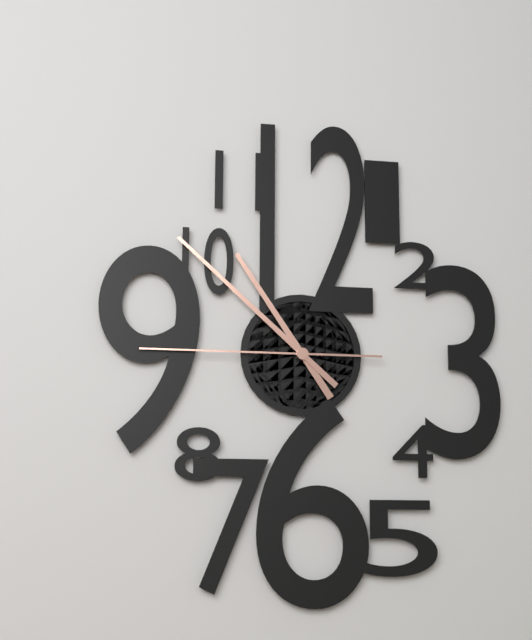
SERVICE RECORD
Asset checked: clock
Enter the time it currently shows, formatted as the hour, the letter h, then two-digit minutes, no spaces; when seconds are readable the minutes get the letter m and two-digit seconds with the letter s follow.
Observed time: 10h52m45s
